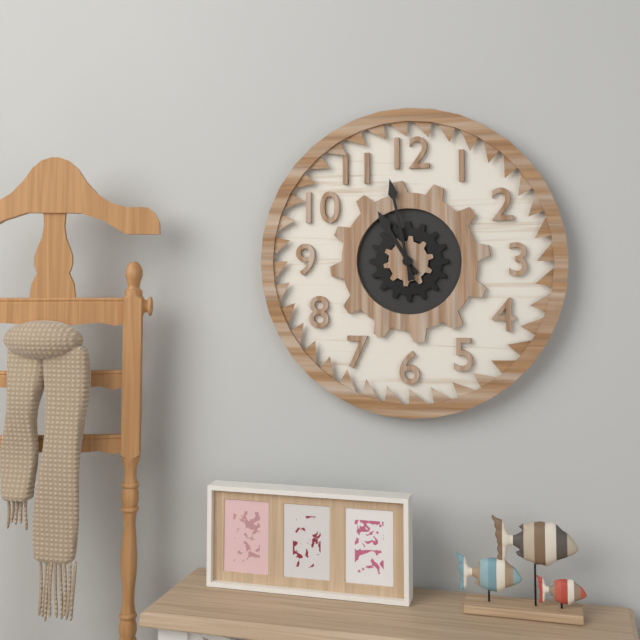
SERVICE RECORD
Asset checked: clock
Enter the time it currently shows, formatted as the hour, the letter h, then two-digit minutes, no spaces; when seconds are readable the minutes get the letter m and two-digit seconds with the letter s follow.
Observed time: 10h58
